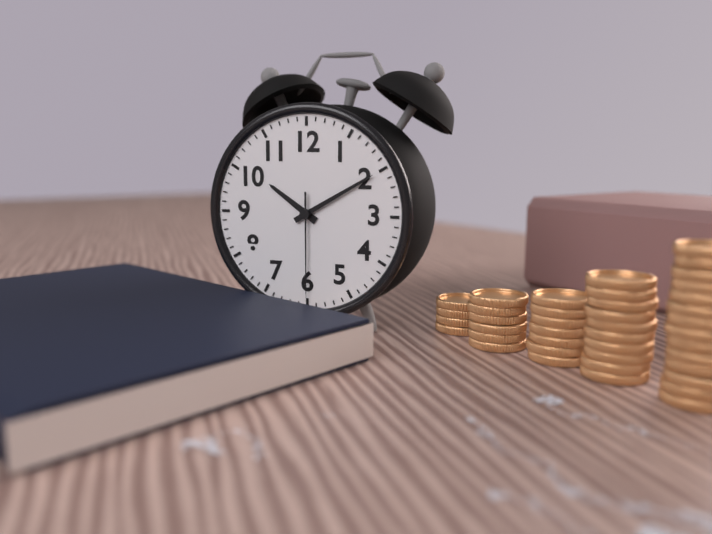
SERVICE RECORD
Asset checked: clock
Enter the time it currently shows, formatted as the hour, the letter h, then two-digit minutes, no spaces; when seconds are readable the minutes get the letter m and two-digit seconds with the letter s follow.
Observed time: 10h10m30s
